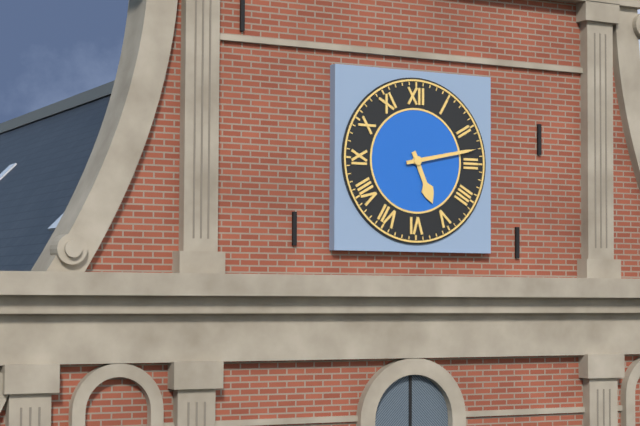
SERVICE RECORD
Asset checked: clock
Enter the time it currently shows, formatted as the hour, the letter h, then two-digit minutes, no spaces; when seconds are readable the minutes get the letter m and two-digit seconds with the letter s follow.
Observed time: 5h13
